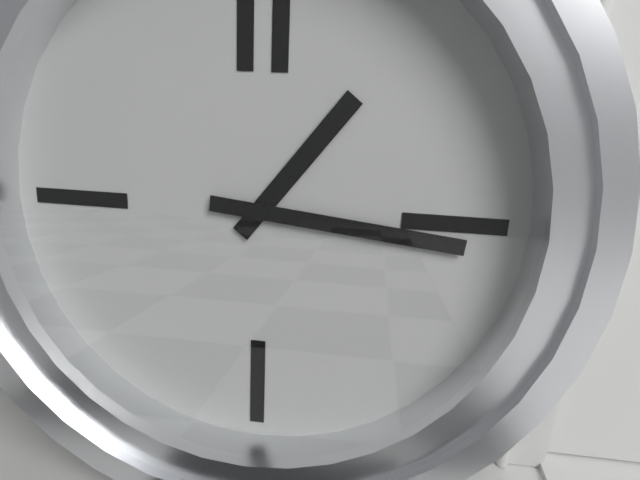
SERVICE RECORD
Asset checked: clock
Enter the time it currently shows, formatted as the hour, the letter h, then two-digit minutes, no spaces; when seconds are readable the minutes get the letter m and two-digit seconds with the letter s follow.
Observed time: 1h16
